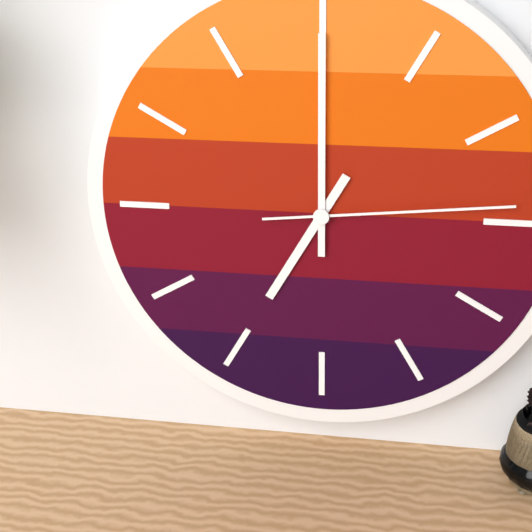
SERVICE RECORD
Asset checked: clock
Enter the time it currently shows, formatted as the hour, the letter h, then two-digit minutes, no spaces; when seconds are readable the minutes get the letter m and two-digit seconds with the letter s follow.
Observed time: 7h00m14s
